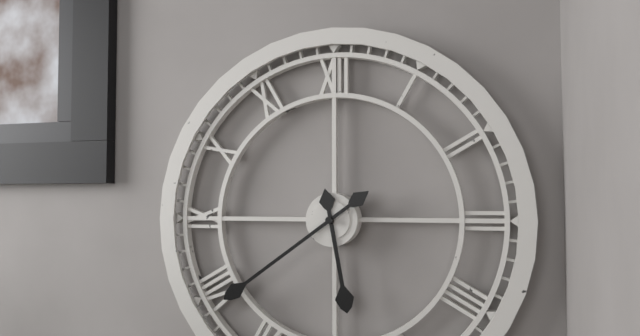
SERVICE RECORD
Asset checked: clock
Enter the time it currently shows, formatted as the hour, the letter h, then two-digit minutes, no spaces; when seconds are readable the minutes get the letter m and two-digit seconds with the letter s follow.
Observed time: 5h39
